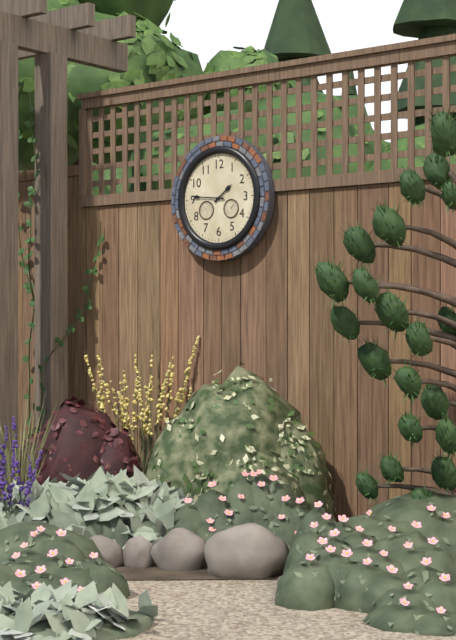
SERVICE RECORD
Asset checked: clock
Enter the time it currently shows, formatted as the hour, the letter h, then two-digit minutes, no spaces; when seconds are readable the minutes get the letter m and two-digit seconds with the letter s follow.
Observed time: 1h46
